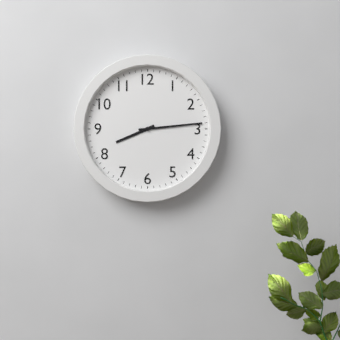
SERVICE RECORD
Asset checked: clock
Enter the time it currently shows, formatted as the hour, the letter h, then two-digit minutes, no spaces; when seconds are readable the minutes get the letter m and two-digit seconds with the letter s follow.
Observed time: 8h14
